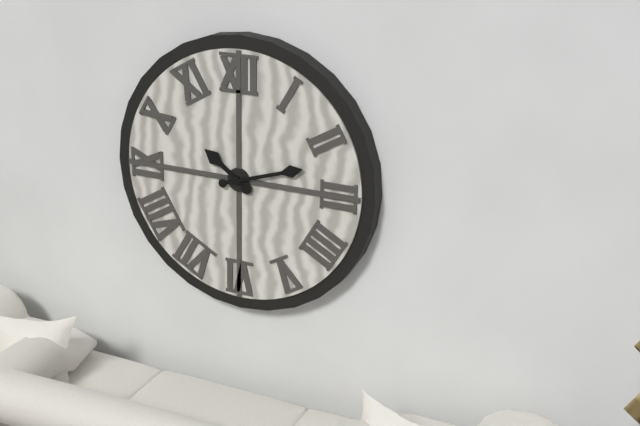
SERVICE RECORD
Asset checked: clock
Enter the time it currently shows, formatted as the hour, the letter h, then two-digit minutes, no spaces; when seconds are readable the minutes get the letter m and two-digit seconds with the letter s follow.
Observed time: 10h12
